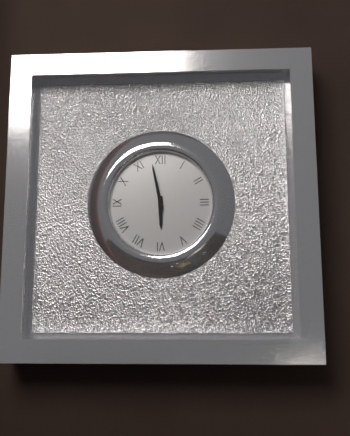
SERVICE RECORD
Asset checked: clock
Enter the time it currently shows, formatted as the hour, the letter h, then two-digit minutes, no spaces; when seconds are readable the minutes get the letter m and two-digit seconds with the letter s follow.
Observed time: 5h58
